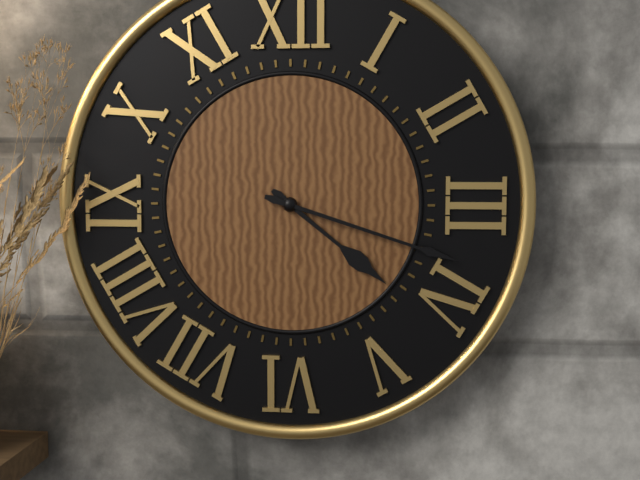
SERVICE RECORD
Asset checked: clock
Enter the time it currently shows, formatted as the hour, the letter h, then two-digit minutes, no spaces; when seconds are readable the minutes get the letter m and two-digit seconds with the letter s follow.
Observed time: 4h18
